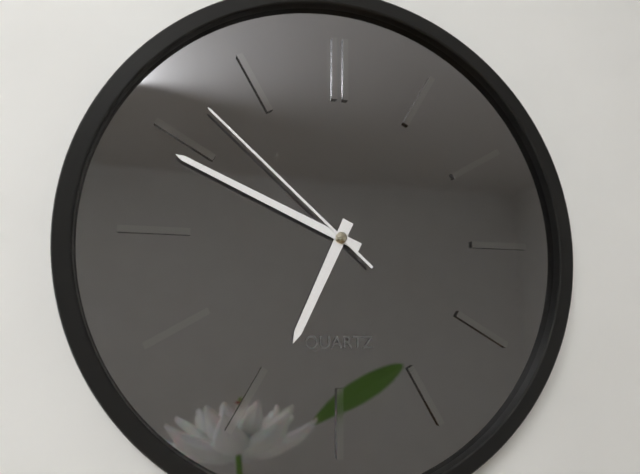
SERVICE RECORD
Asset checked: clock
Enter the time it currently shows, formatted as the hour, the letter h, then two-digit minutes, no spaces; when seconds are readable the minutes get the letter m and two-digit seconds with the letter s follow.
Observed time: 6h49m52s
